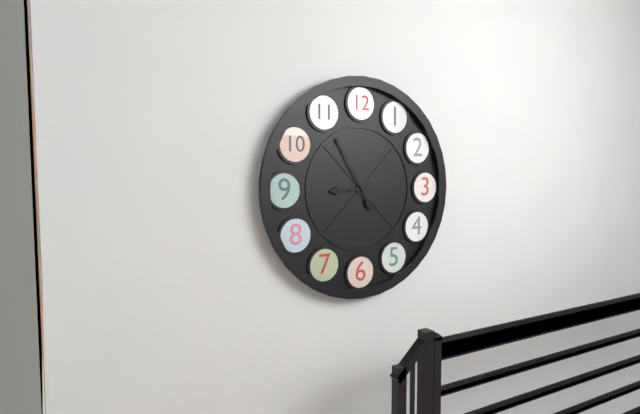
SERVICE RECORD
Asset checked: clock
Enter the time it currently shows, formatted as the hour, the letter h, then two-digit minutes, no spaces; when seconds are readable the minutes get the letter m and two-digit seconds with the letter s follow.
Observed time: 8h55
